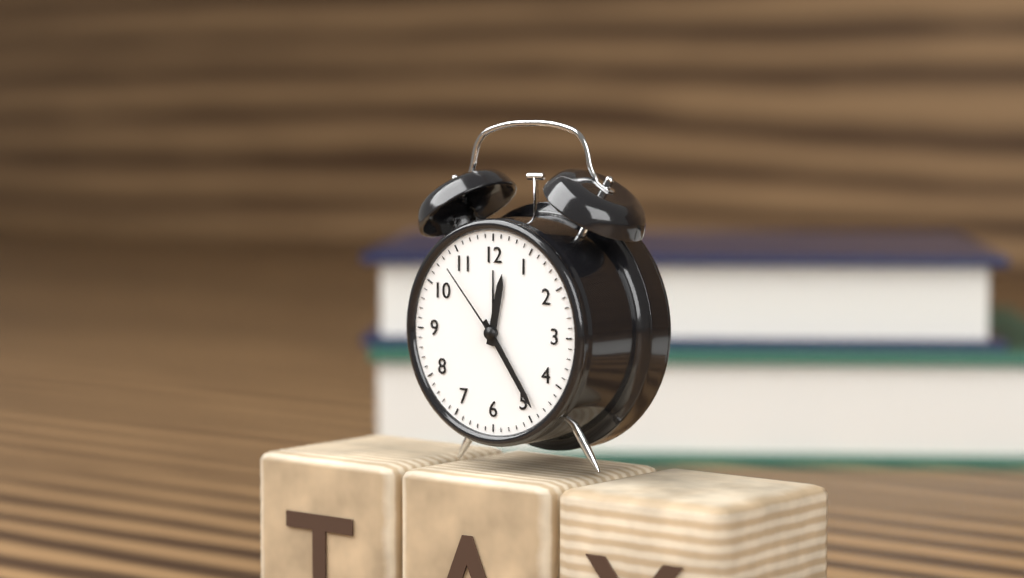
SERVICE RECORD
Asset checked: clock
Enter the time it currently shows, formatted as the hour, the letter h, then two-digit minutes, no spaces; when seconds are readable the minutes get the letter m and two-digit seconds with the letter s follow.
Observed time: 12h24m53s
